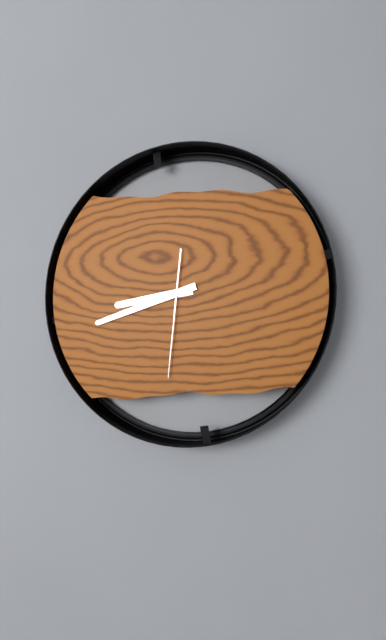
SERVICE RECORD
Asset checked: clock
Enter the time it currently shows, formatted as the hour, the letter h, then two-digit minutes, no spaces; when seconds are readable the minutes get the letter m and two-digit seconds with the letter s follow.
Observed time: 8h42m31s
